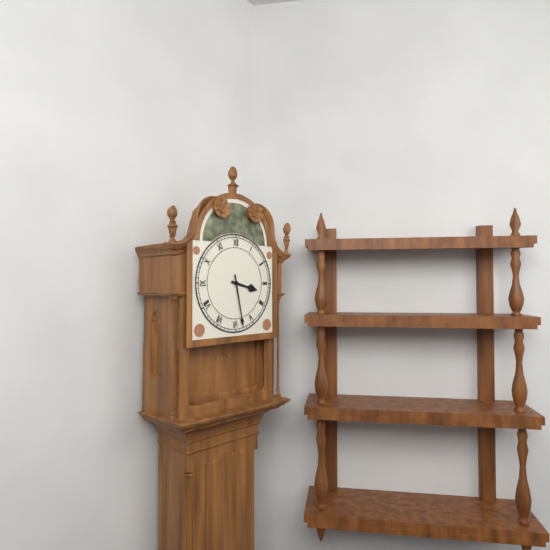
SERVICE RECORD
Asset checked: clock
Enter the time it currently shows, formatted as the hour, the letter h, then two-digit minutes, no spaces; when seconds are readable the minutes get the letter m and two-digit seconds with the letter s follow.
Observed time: 3h28
